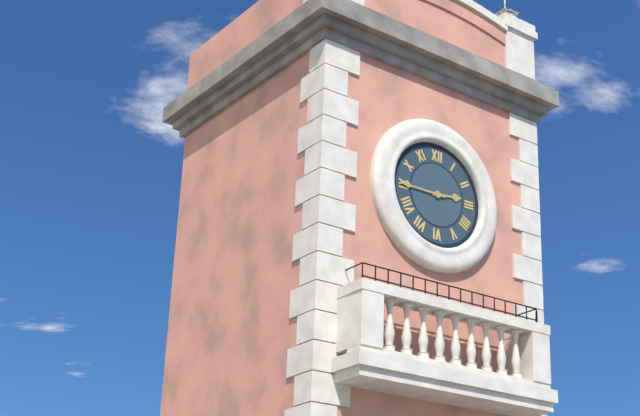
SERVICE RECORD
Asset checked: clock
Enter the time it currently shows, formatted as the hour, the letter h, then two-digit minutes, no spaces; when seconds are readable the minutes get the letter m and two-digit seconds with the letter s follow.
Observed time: 2h45
